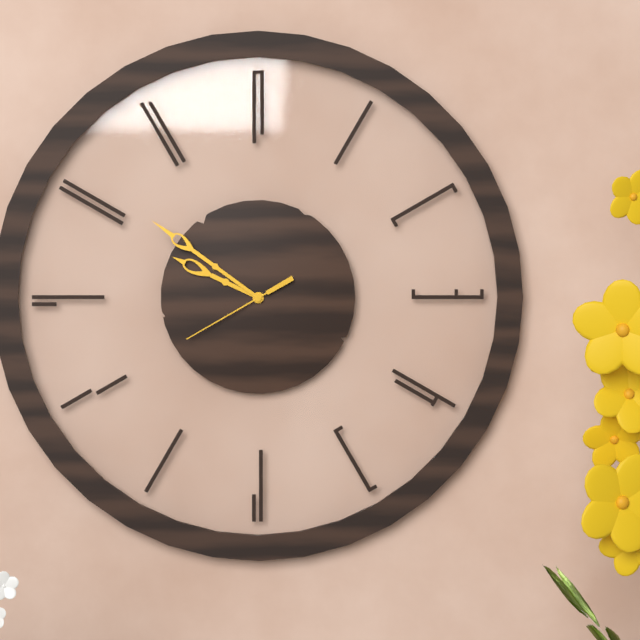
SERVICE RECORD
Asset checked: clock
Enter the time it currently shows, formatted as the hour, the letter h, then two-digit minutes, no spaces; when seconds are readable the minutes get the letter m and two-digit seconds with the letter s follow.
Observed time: 9h51m40s
